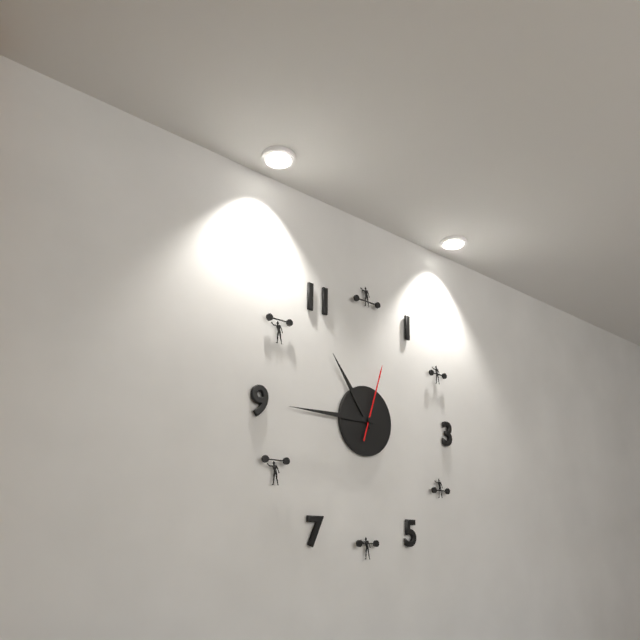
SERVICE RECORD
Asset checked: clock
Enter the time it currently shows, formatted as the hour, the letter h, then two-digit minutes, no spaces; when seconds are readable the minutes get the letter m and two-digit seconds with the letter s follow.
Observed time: 10h45m03s
